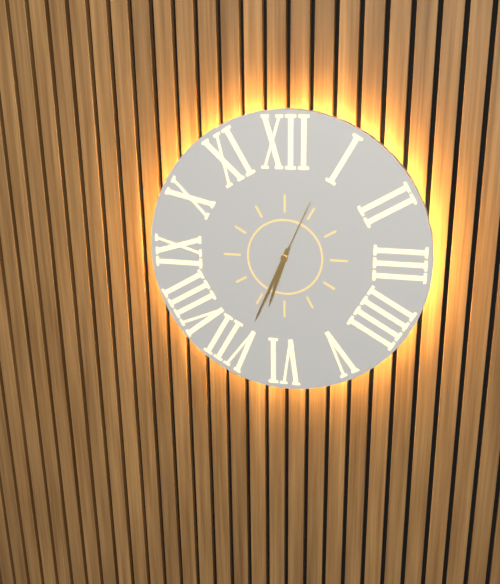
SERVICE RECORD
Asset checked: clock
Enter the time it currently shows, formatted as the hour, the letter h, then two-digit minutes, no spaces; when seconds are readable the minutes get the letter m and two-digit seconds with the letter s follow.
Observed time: 6h34m04s
